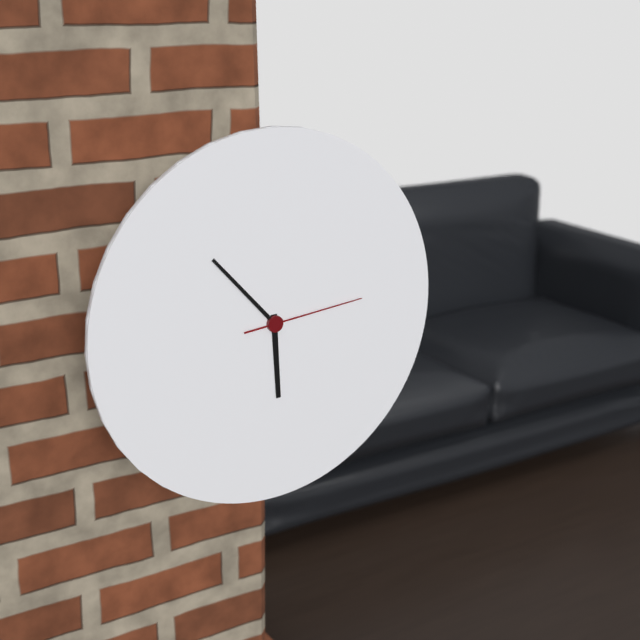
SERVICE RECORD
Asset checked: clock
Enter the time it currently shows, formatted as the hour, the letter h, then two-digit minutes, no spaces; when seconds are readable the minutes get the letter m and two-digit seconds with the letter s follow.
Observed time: 5h53m14s
